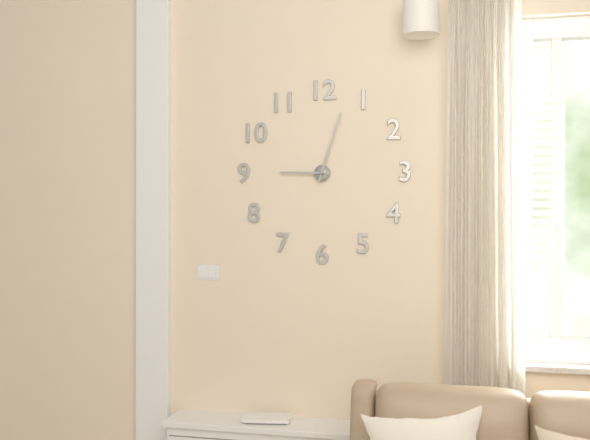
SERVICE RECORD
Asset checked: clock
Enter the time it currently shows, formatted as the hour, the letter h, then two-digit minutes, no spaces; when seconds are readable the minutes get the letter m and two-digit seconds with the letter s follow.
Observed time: 9h03
